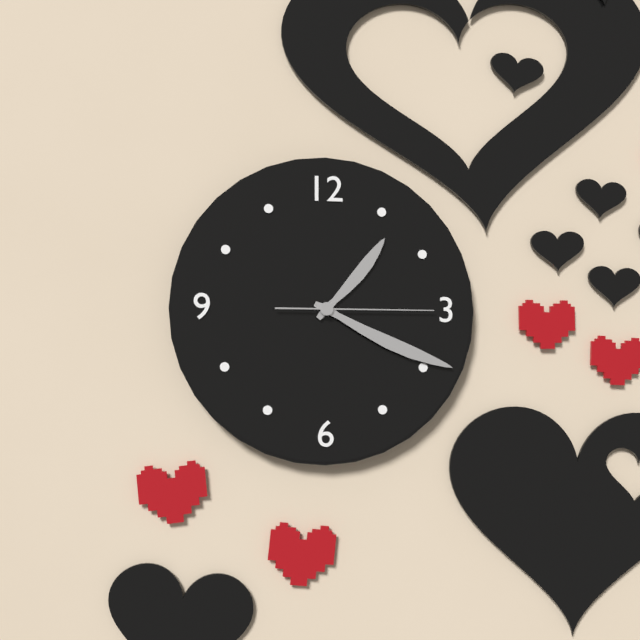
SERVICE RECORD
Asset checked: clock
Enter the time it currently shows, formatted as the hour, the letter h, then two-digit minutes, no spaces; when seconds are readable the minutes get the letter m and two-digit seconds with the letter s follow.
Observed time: 1h19m15s
